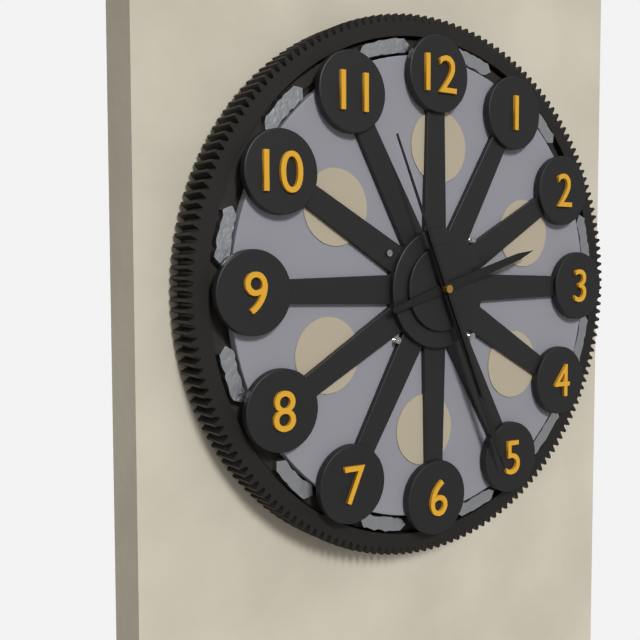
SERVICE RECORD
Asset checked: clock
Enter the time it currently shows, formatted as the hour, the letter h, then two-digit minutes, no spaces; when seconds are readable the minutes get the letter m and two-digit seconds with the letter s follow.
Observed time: 2h26m56s
